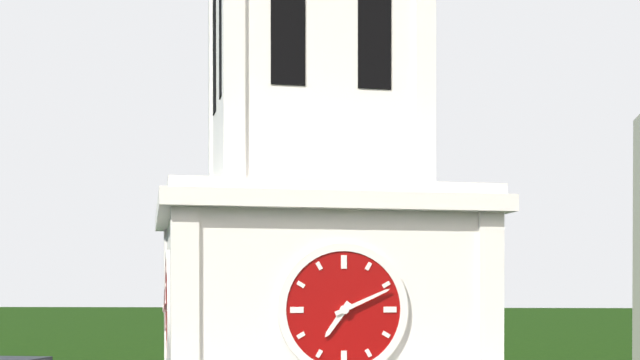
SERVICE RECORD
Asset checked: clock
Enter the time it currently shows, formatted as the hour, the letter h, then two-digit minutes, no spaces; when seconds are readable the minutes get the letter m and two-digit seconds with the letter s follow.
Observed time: 7h11
